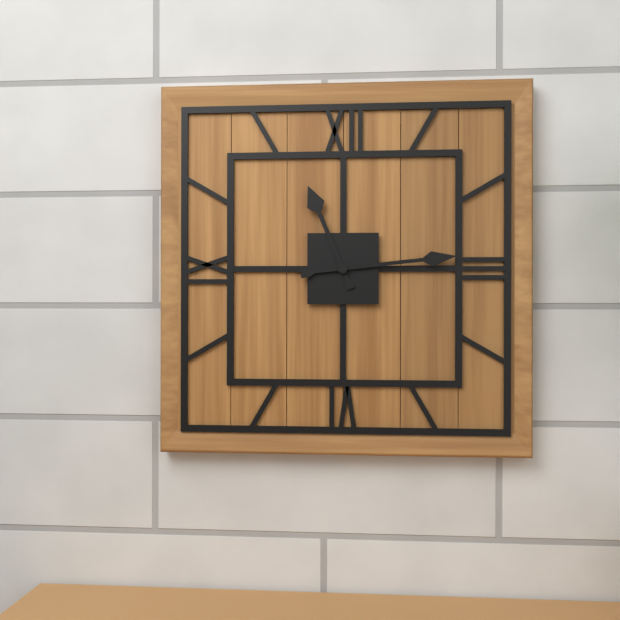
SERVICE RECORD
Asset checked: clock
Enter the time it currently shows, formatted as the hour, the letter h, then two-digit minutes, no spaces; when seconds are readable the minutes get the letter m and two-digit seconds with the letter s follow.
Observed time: 11h14
